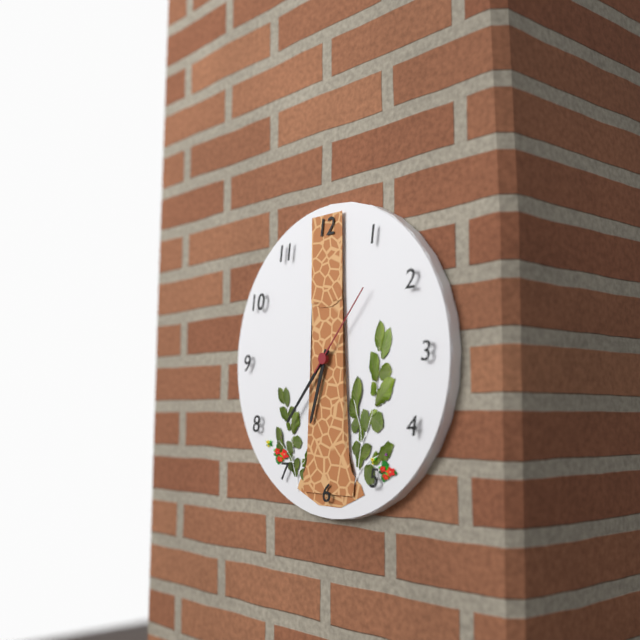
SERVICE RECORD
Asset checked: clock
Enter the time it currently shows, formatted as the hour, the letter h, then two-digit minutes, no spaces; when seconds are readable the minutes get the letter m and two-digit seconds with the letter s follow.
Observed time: 6h37m07s
